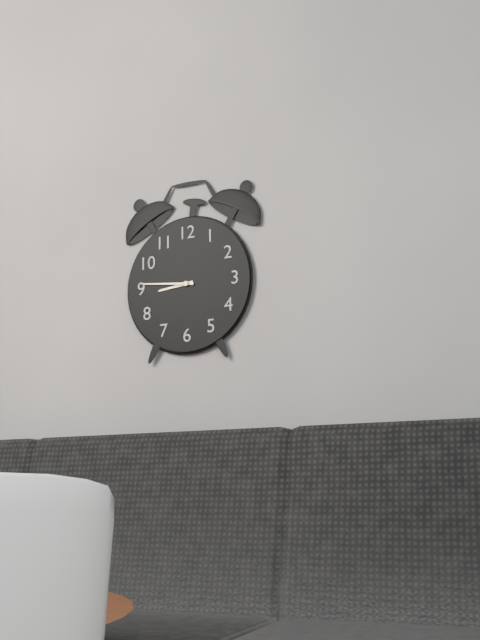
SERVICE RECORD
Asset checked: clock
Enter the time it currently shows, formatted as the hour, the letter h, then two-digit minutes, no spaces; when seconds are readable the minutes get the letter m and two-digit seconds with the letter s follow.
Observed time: 8h46
